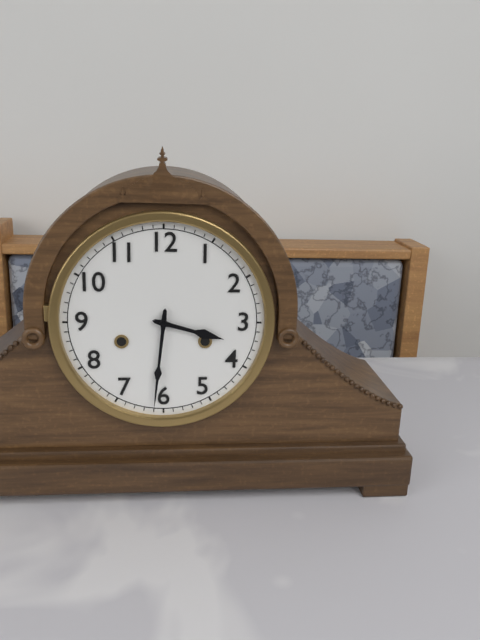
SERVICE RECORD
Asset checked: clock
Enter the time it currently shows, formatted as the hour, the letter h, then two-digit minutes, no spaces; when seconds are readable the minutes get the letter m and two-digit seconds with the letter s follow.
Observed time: 3h31
